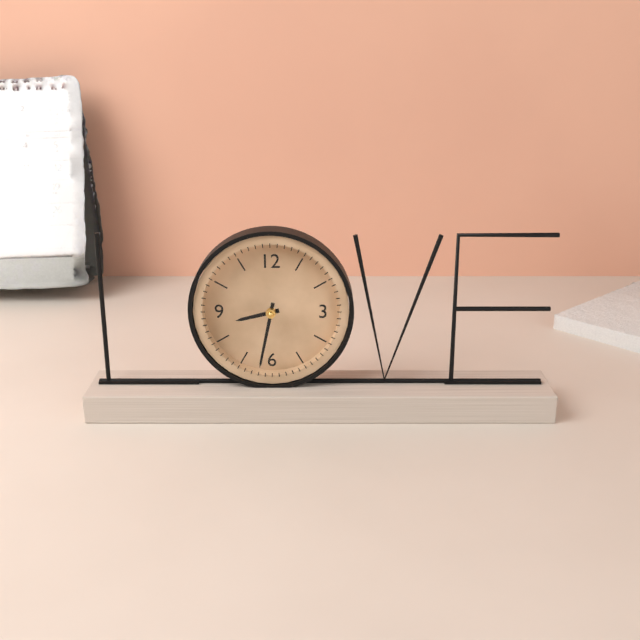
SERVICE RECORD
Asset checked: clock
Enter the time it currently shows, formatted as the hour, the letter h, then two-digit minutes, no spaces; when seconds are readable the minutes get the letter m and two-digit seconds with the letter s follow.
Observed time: 8h32
